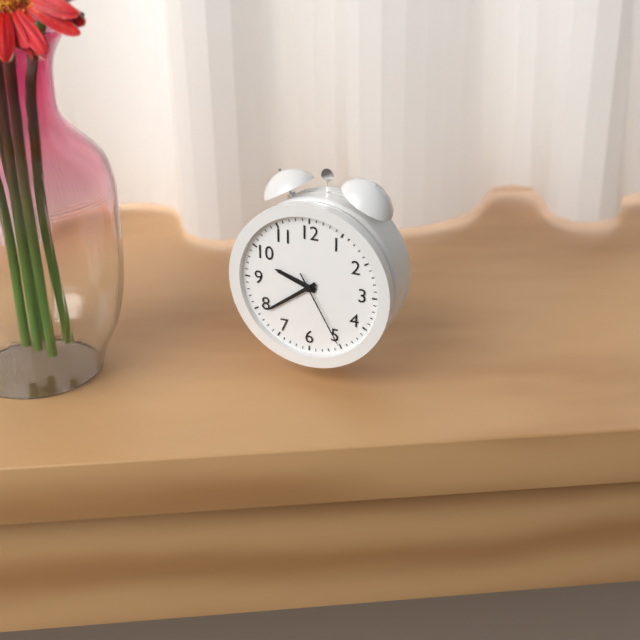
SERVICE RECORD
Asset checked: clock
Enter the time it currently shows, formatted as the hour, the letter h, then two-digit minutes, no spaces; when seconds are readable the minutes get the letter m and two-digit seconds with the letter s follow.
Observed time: 9h39m25s
